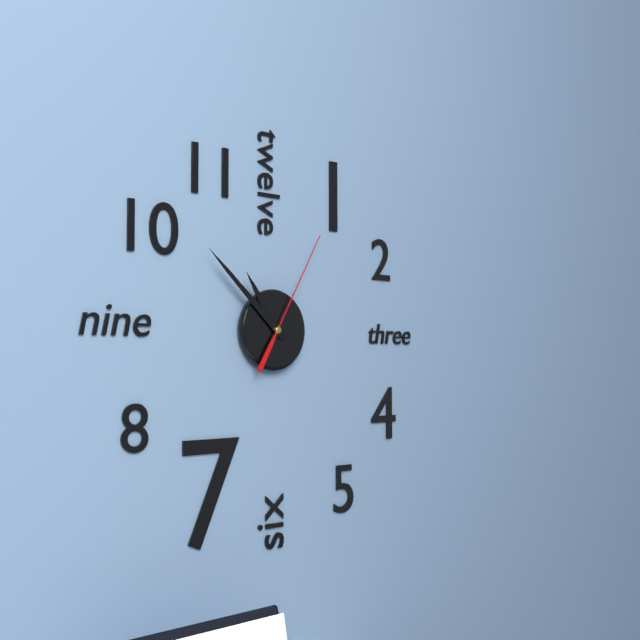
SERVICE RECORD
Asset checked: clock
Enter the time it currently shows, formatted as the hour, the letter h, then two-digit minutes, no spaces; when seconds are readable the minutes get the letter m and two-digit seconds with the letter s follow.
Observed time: 10h52m05s
